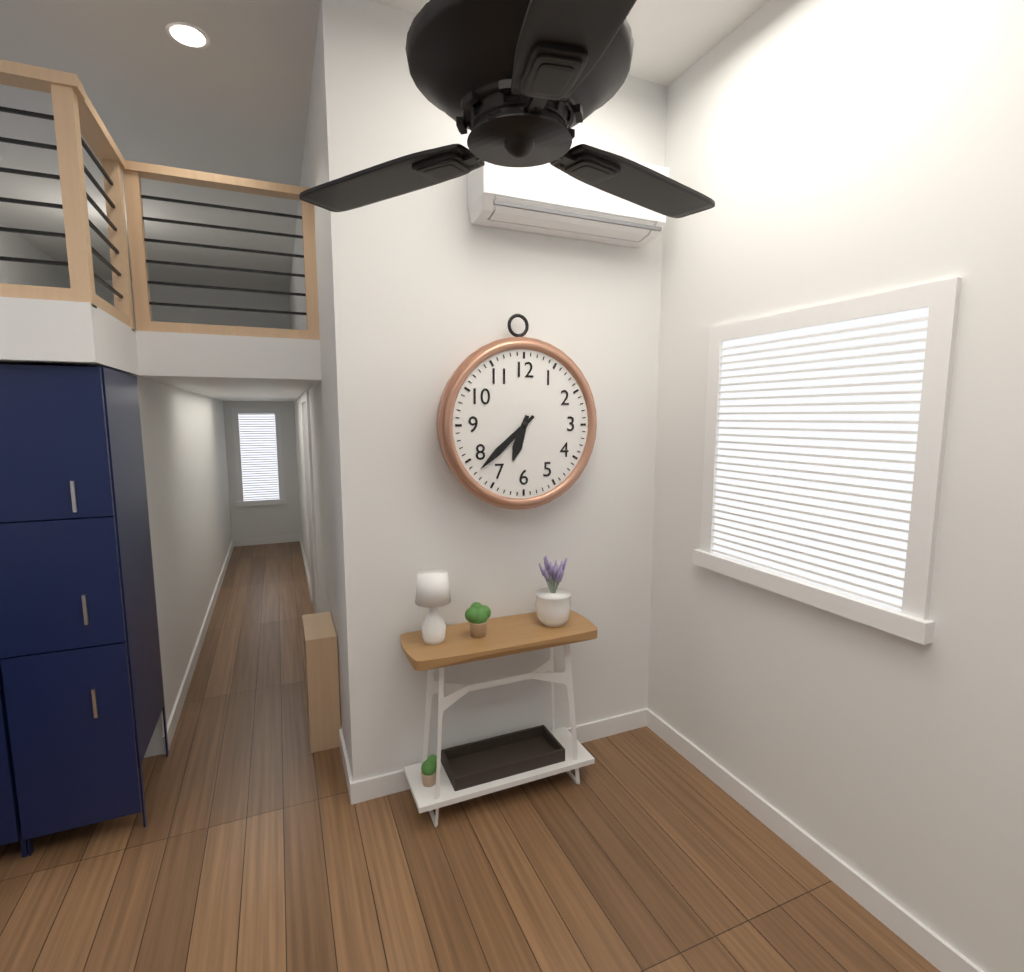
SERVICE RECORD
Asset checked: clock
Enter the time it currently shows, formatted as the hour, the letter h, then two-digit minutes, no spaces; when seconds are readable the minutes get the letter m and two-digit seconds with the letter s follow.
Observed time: 6h38
